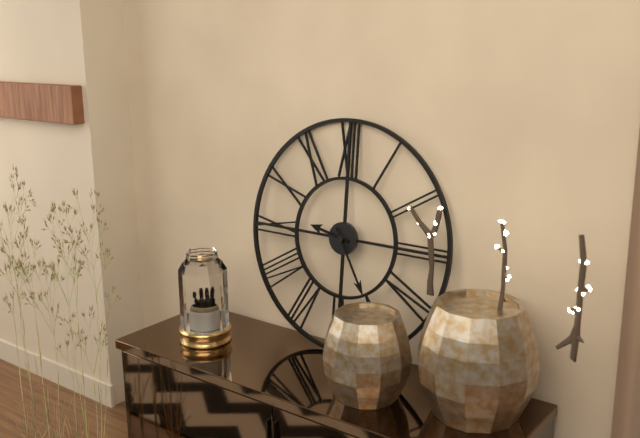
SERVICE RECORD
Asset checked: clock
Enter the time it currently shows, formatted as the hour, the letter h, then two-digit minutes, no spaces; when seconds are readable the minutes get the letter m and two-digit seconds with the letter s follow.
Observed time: 9h25
